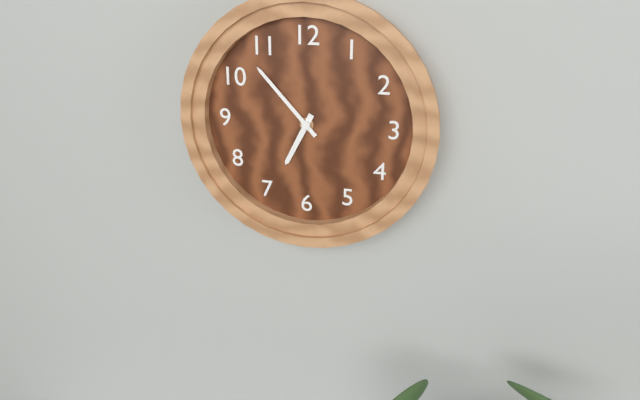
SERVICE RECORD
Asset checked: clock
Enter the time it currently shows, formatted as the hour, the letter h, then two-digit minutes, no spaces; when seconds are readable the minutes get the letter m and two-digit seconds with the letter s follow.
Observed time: 6h53
